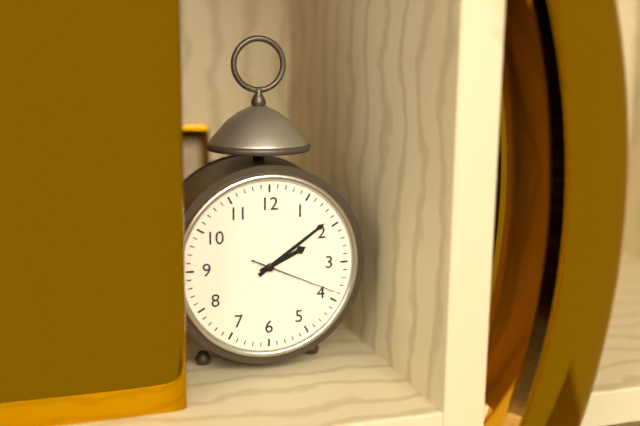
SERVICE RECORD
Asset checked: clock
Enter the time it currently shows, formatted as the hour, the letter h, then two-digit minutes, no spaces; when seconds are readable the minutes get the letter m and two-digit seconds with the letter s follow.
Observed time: 2h09m19s
